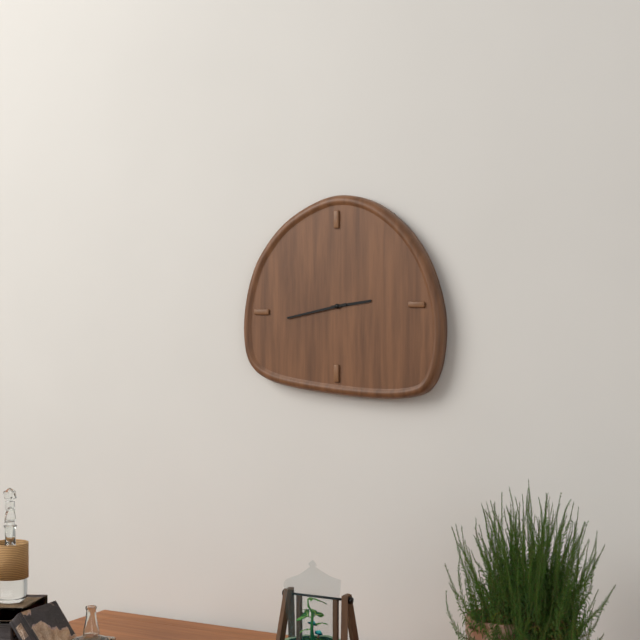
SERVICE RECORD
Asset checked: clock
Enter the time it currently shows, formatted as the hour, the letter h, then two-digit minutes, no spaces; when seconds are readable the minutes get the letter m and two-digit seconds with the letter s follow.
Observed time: 2h43
